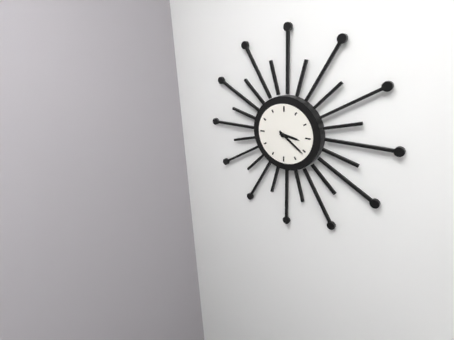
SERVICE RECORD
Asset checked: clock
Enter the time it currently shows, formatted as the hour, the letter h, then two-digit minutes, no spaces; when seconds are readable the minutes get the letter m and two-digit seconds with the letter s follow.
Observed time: 3h21
